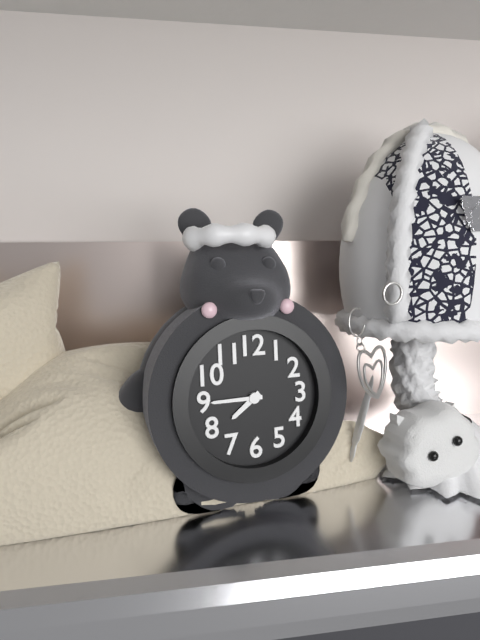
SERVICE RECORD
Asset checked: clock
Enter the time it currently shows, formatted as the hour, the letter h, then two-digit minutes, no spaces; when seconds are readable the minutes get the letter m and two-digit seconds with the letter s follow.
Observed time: 7h45
